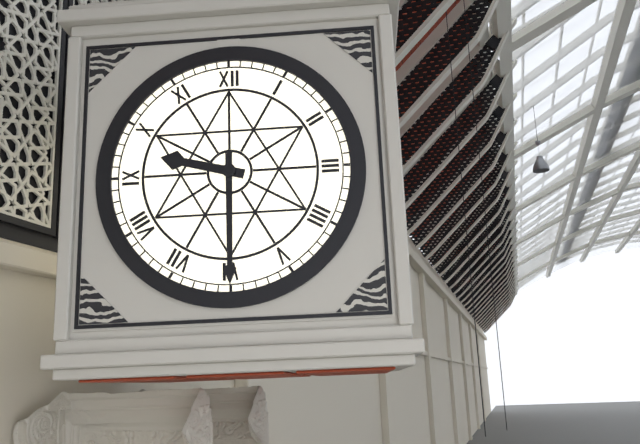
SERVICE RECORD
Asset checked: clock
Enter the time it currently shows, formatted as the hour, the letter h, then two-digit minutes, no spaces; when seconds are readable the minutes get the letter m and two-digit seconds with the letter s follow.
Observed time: 9h30
